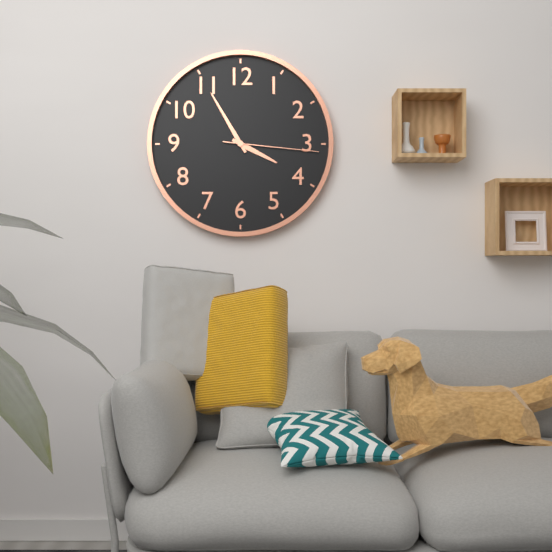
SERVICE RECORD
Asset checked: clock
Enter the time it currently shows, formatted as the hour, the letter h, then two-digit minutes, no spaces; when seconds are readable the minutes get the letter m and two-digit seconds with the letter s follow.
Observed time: 3h55m16s
